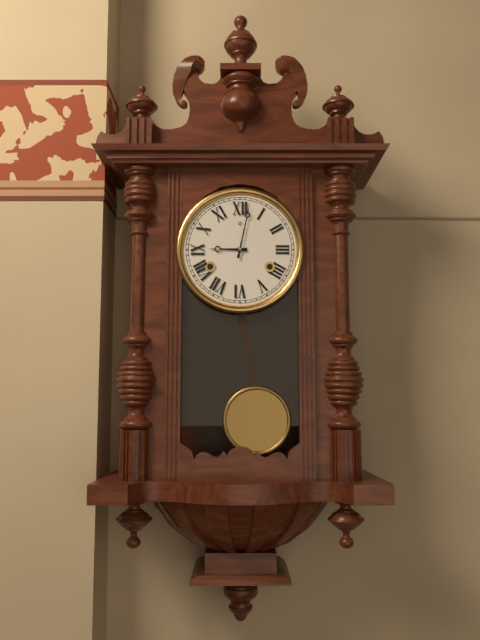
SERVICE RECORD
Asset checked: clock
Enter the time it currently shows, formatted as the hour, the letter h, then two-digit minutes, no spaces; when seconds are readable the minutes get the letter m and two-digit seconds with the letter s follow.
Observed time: 9h02
